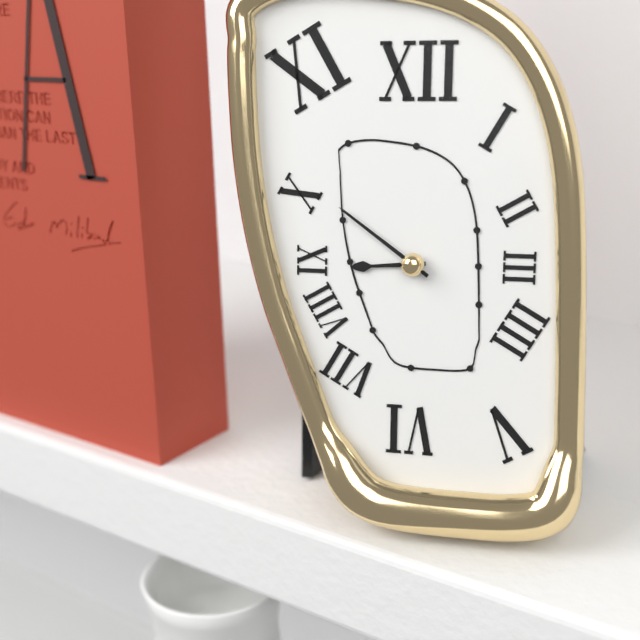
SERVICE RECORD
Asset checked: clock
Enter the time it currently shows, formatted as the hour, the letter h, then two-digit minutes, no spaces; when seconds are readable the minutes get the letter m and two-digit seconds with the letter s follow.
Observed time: 8h51
